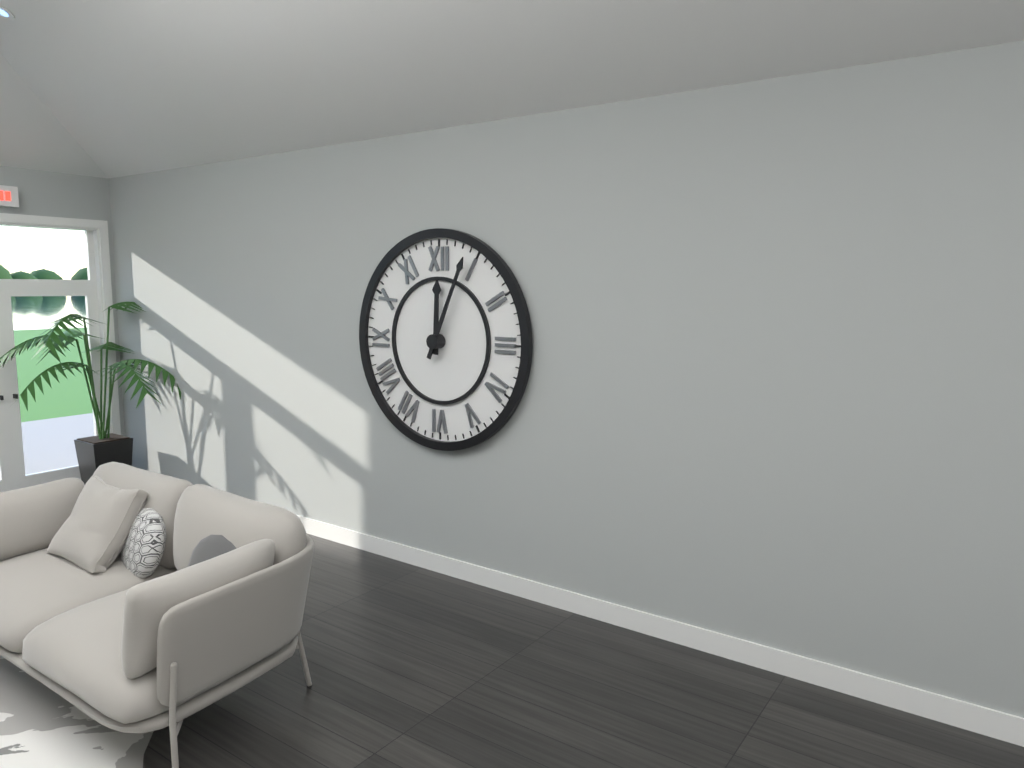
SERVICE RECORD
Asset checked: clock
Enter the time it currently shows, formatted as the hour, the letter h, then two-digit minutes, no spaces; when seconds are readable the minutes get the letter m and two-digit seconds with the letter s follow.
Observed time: 12h04
